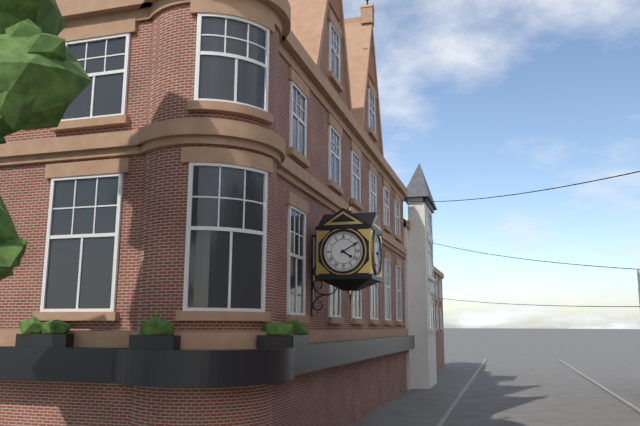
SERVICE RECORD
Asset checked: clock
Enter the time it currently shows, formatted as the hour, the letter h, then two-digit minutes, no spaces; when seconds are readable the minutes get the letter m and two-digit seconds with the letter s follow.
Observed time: 4h10
